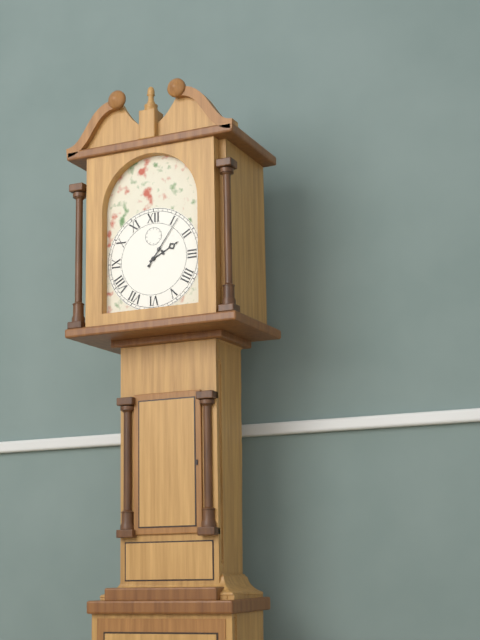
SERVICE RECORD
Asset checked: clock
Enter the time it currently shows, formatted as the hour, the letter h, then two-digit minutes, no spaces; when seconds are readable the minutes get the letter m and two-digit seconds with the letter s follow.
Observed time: 2h06
